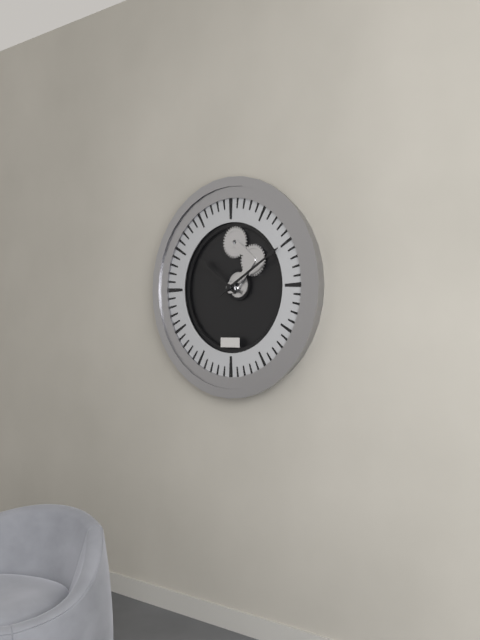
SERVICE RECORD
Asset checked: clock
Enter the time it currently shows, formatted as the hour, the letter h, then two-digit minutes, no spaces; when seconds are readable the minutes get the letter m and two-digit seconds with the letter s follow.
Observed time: 10h10
